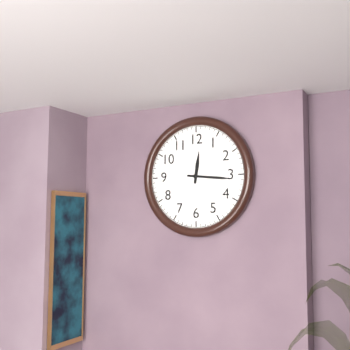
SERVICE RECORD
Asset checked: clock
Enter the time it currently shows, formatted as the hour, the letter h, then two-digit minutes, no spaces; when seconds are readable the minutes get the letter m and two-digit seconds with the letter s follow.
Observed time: 12h16
